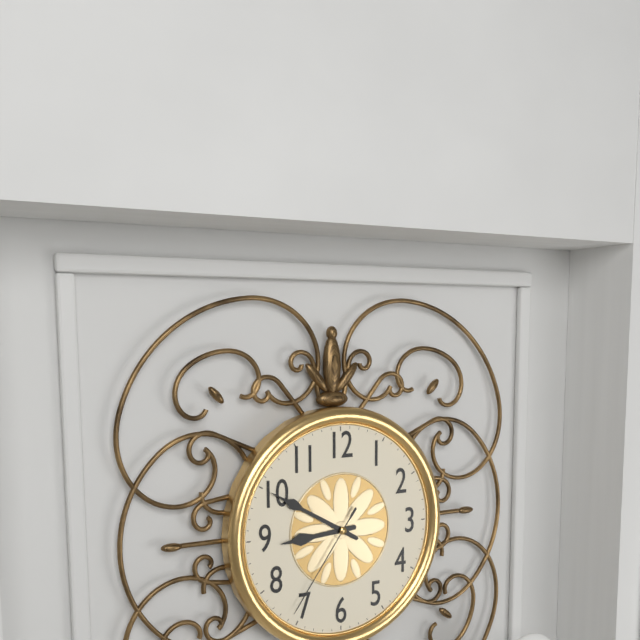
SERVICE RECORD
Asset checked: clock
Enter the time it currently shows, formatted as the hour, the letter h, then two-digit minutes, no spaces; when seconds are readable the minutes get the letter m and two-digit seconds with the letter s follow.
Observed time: 8h50m36s
